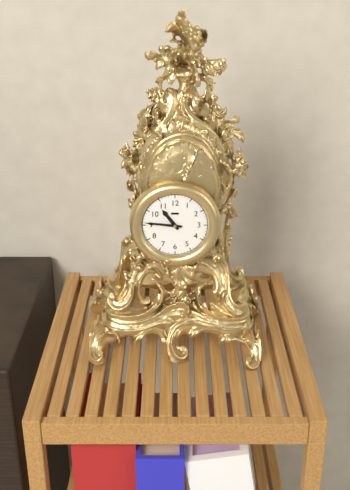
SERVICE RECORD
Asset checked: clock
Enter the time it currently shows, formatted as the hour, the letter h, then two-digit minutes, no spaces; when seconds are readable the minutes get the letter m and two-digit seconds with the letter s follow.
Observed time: 10h46
